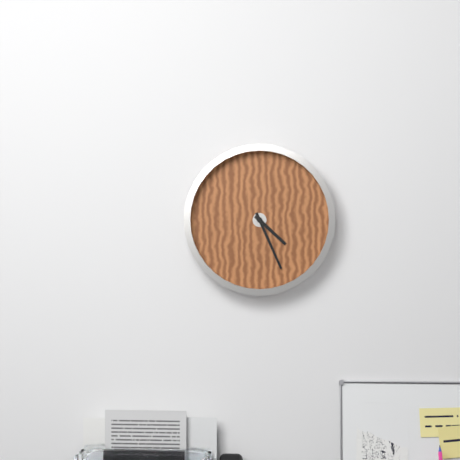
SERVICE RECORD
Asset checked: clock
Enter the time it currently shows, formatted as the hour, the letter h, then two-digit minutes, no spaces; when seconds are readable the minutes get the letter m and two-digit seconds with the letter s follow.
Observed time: 4h26
